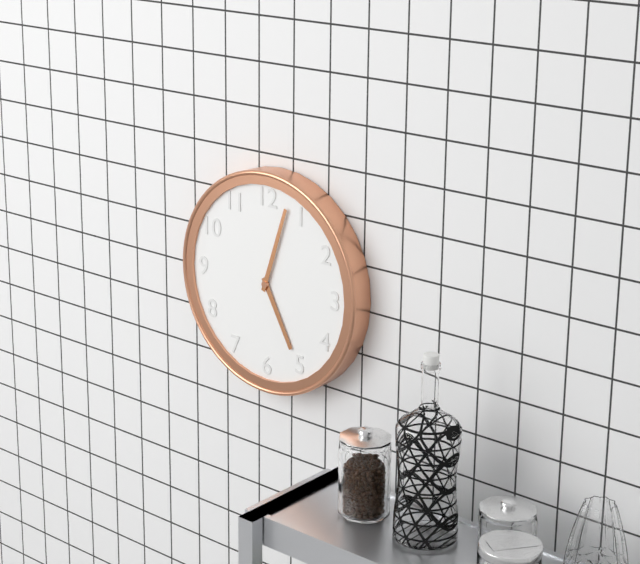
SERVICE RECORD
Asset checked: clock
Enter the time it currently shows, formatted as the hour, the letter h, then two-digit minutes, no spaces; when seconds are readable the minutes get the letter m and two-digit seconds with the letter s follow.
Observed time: 5h03
